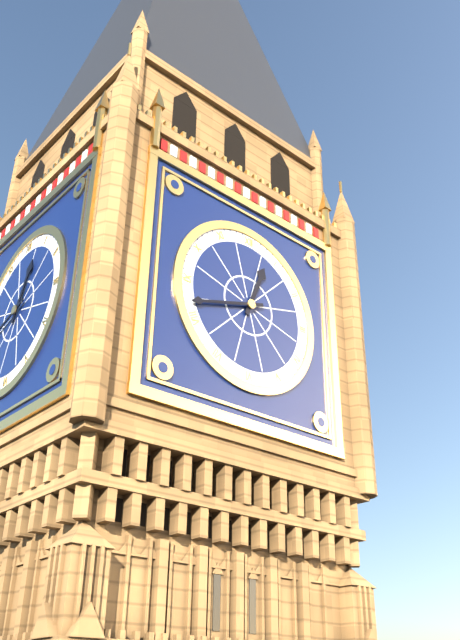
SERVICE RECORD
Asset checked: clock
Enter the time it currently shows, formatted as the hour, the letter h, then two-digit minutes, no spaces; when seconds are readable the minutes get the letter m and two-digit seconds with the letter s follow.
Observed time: 12h42
